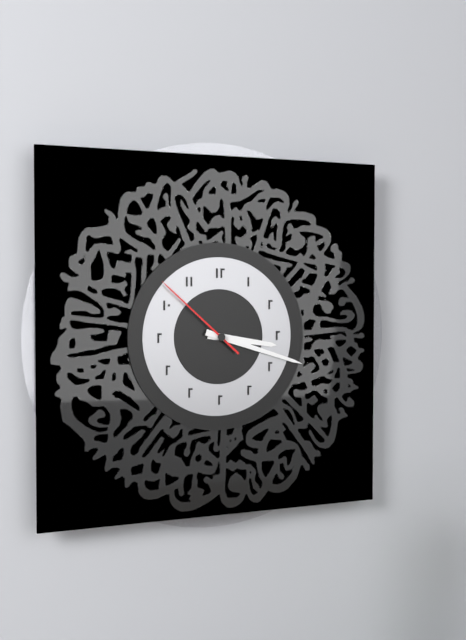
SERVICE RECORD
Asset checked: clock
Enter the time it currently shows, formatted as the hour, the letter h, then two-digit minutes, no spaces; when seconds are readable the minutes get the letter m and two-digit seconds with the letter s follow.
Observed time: 3h18m52s
